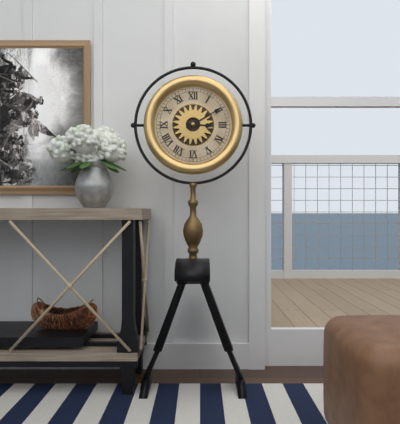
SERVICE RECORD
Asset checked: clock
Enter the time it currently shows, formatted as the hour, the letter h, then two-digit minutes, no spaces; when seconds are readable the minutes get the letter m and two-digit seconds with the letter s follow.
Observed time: 3h10
